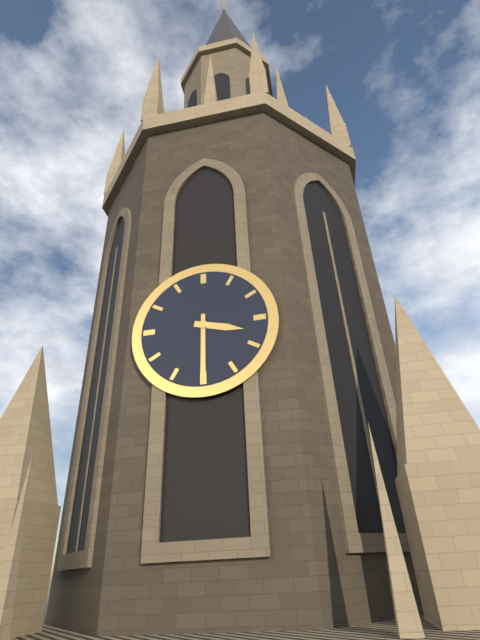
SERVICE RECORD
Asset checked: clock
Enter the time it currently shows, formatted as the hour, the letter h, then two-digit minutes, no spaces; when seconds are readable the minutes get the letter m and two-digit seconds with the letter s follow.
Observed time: 3h30
